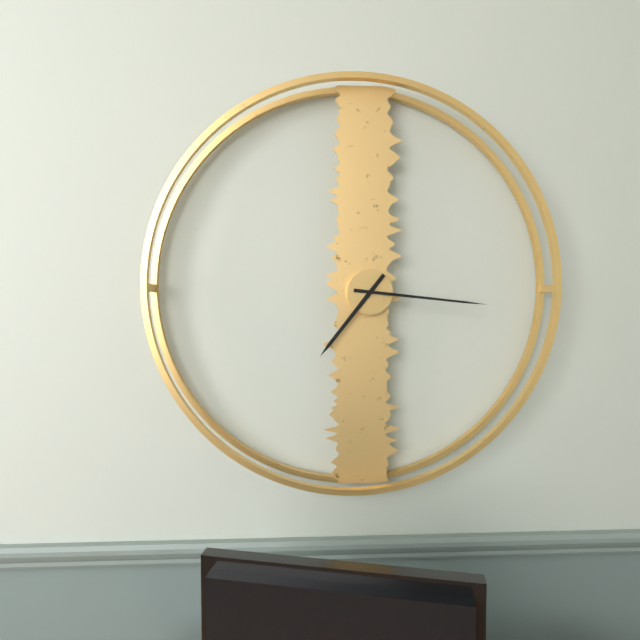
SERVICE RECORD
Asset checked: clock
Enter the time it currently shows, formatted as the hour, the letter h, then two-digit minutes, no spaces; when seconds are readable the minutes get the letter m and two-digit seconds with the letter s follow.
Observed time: 7h16
